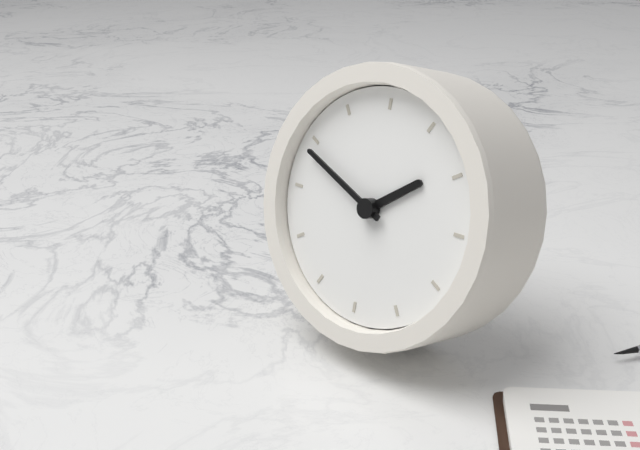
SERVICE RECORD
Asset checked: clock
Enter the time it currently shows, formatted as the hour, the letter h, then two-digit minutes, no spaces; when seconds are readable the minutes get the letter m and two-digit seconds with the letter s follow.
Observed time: 1h49
